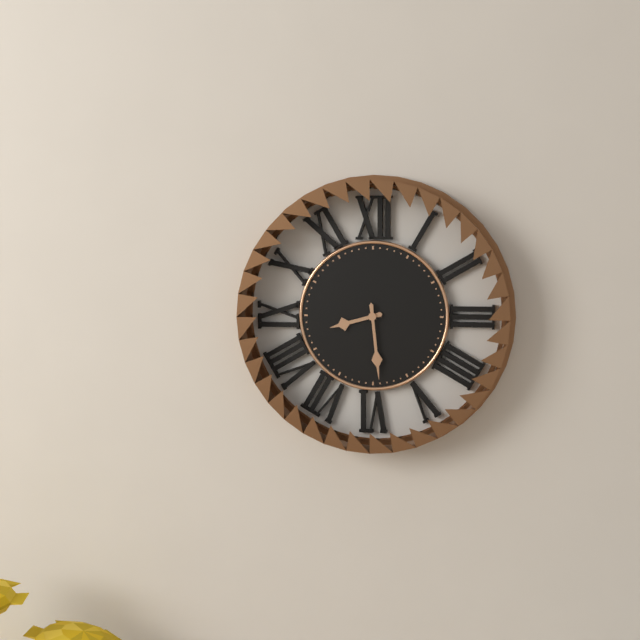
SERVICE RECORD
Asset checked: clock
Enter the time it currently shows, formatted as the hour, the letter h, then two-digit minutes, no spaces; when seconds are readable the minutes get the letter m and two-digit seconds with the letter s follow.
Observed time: 8h29
